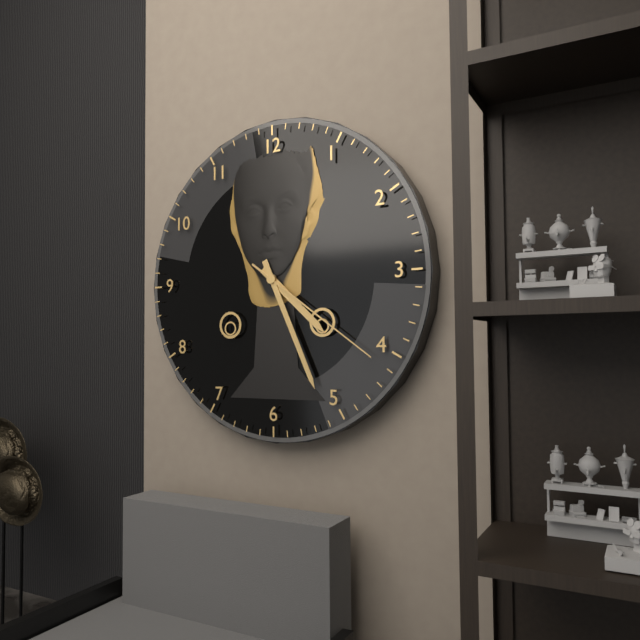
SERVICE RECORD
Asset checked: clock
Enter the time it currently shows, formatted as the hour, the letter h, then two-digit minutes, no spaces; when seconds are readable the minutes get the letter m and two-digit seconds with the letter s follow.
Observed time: 4h26m21s
